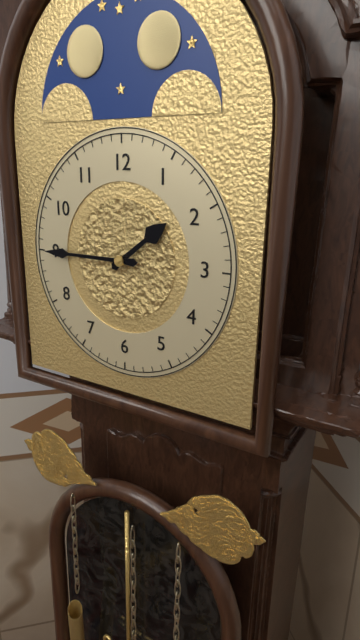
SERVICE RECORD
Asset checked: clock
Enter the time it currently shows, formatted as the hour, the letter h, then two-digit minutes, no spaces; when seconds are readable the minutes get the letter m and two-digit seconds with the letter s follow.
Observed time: 1h45
